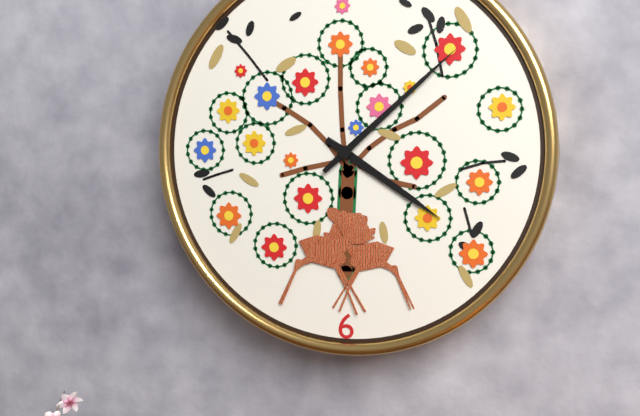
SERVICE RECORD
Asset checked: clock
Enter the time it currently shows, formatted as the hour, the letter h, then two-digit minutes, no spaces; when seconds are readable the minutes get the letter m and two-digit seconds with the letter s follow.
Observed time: 4h08
